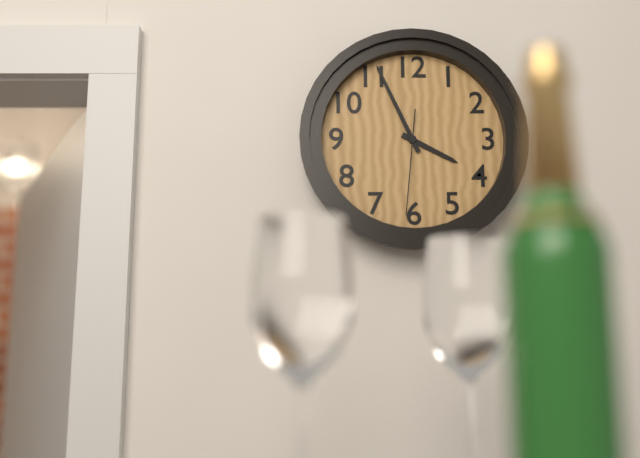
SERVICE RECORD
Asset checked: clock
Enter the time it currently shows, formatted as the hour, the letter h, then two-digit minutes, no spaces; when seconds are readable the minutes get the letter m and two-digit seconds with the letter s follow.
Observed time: 3h56m31s
